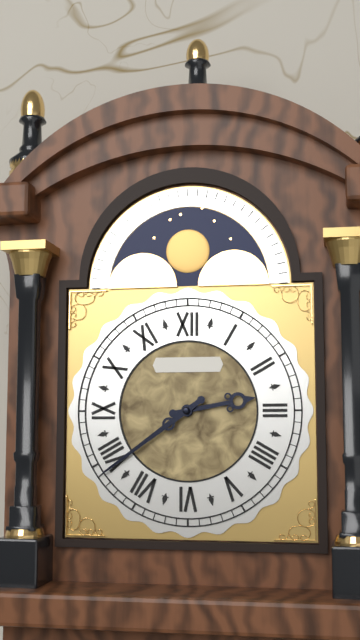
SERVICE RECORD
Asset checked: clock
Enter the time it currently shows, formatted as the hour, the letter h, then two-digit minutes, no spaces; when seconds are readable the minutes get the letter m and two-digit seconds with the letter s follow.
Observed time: 2h39
